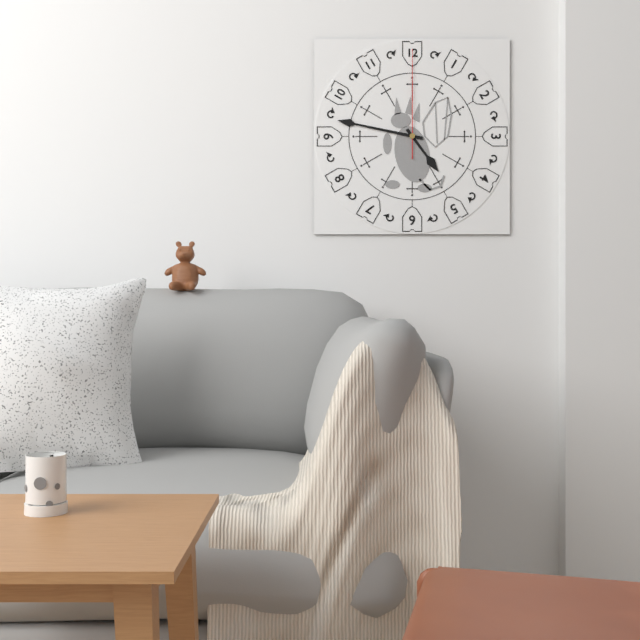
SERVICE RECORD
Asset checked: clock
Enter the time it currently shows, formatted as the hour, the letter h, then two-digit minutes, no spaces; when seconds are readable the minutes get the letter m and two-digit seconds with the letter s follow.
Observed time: 4h47m00s
